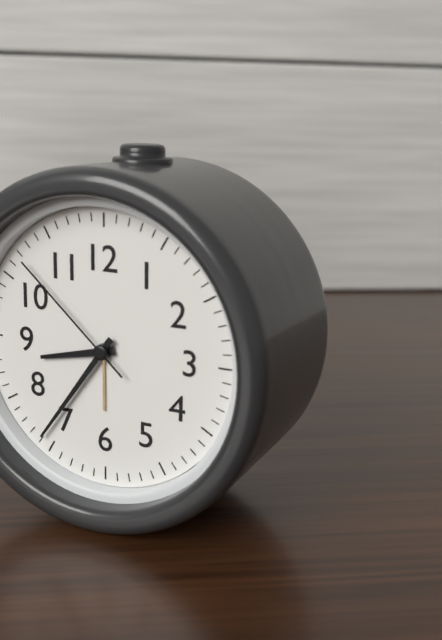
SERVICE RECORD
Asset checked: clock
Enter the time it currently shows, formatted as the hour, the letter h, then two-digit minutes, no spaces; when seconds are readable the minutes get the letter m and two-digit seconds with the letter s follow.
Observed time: 8h36m52s
